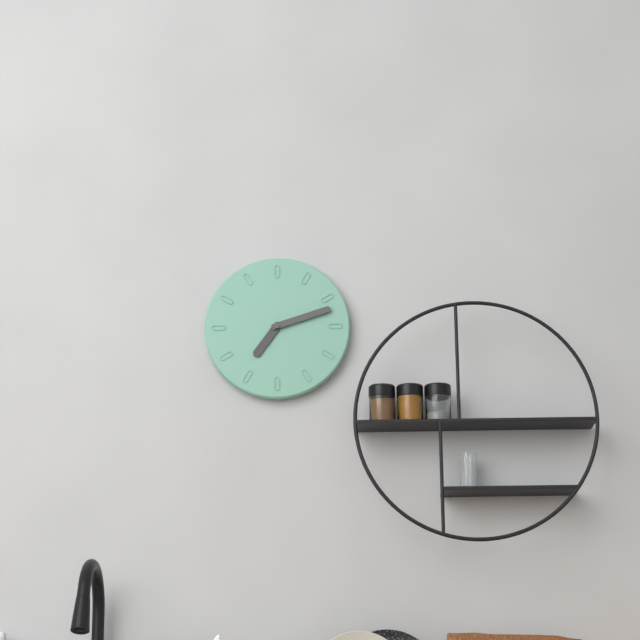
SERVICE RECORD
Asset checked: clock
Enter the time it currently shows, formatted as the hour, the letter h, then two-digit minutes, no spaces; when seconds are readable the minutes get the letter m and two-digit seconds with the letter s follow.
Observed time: 7h12
